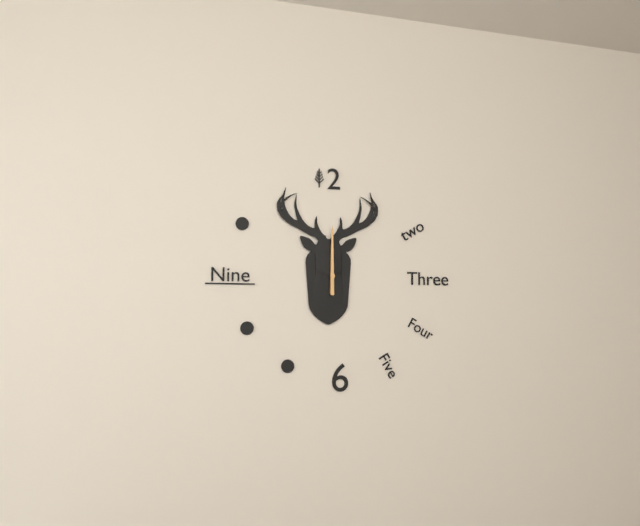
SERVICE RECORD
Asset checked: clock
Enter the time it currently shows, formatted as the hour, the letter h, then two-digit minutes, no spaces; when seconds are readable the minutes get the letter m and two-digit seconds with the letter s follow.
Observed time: 12h00
